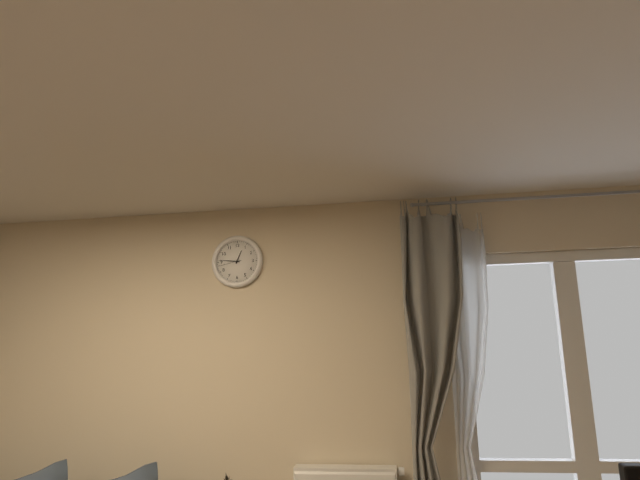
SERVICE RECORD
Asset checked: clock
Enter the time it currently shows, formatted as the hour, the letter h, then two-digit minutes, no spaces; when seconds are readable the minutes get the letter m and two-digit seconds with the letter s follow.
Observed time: 12h46
